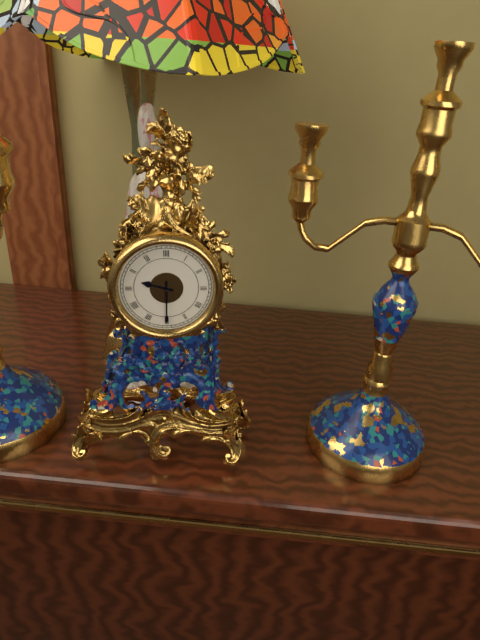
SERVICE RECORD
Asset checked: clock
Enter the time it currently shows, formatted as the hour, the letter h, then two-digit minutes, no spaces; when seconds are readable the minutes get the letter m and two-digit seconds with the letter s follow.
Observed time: 9h30
